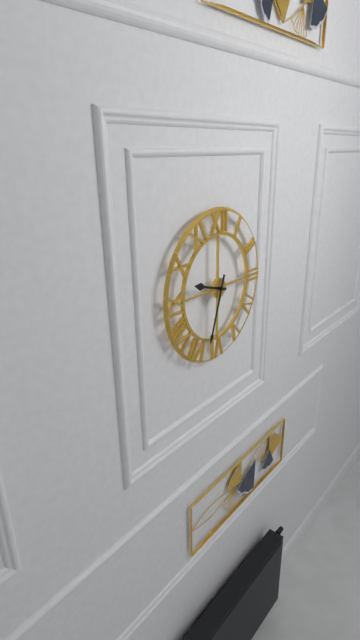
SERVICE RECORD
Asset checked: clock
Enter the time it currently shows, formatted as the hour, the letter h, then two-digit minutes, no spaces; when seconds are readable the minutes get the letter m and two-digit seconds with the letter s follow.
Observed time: 9h33
